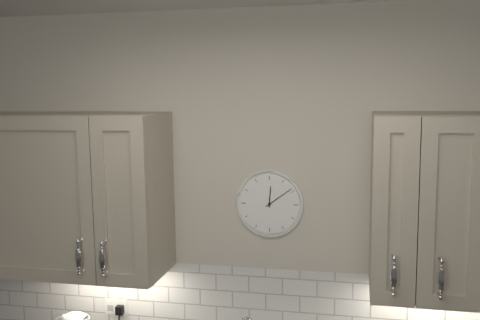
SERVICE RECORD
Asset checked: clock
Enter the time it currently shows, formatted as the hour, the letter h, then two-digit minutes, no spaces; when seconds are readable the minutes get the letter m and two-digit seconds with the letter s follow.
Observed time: 12h09
